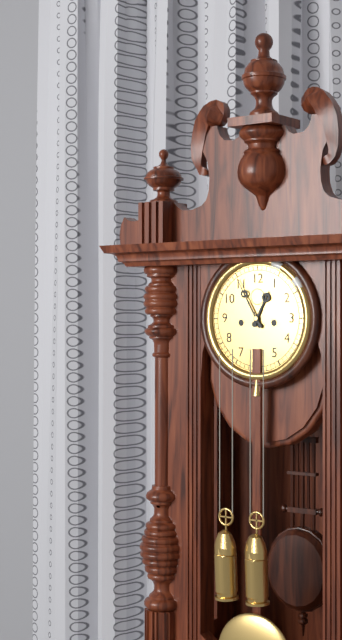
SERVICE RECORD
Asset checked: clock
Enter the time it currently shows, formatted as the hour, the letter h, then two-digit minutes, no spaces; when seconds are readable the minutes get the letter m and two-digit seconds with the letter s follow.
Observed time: 12h55
